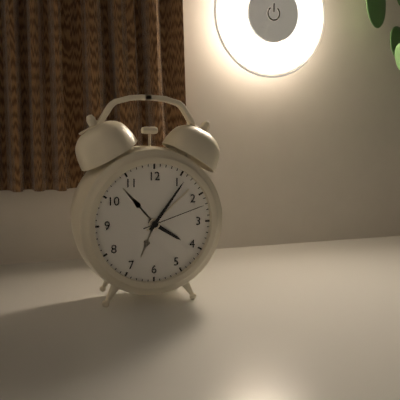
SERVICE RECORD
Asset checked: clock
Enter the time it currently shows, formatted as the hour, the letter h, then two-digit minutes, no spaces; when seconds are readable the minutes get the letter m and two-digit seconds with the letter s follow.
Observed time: 4h06m12s
